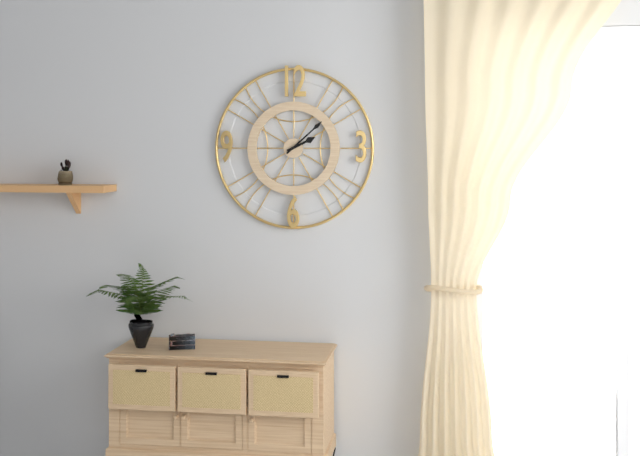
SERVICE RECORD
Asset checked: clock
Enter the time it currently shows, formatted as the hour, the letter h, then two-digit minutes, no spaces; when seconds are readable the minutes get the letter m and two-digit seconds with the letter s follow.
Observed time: 2h08
